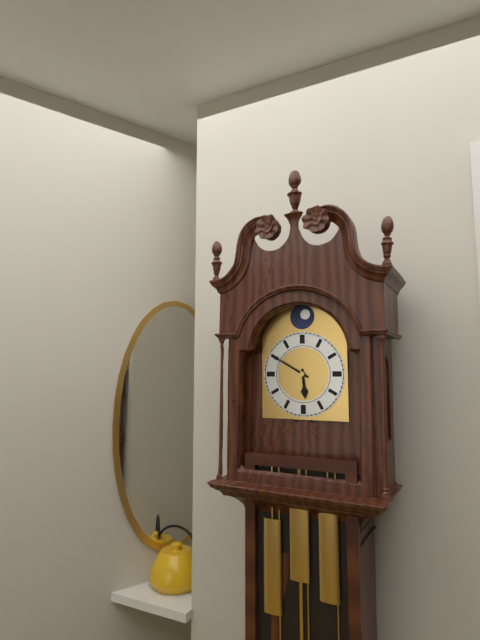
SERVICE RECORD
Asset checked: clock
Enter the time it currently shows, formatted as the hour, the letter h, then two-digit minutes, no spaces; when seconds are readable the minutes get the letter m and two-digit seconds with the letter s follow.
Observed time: 5h50
